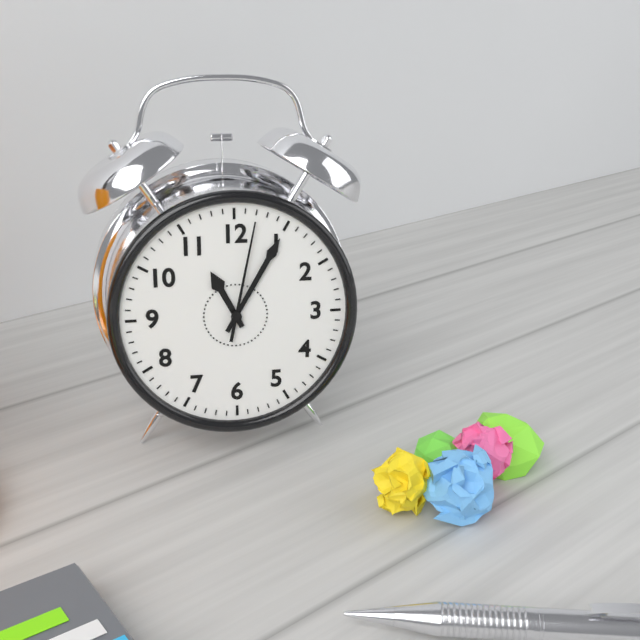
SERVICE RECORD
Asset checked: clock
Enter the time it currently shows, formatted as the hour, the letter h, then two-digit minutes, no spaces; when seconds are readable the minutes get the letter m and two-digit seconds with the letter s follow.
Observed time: 11h05m02s
